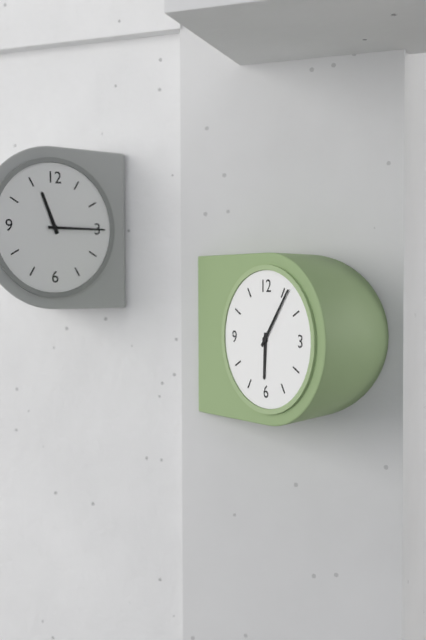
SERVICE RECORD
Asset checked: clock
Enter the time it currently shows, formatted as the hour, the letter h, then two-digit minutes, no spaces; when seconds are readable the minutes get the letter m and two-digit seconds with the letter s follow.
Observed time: 6h06
